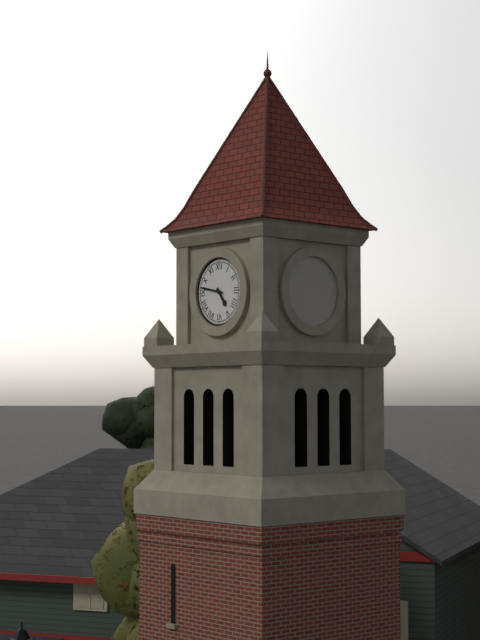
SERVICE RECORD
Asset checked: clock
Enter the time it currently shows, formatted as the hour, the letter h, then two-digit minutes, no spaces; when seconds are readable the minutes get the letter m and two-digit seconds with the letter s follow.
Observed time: 4h47
